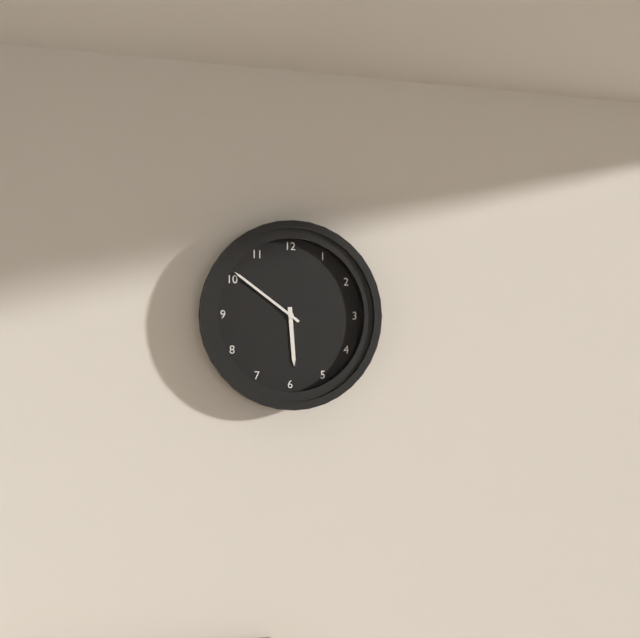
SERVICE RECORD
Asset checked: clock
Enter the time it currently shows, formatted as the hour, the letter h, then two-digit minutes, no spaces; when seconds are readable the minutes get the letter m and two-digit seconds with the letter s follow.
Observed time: 5h51
